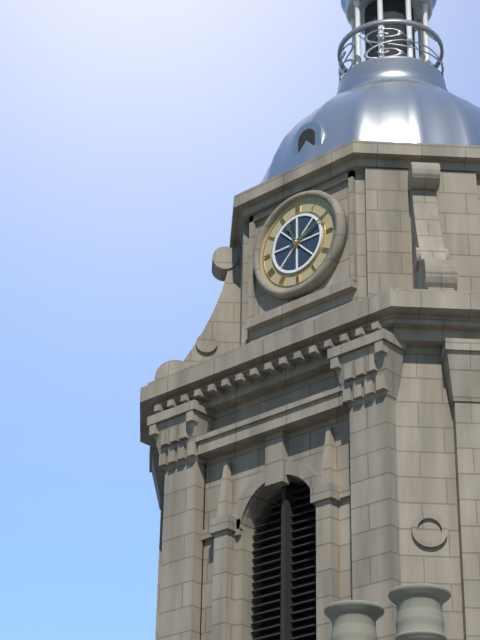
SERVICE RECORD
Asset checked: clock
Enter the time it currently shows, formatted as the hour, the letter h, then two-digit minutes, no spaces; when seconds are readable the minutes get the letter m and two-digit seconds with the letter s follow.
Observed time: 11h11
